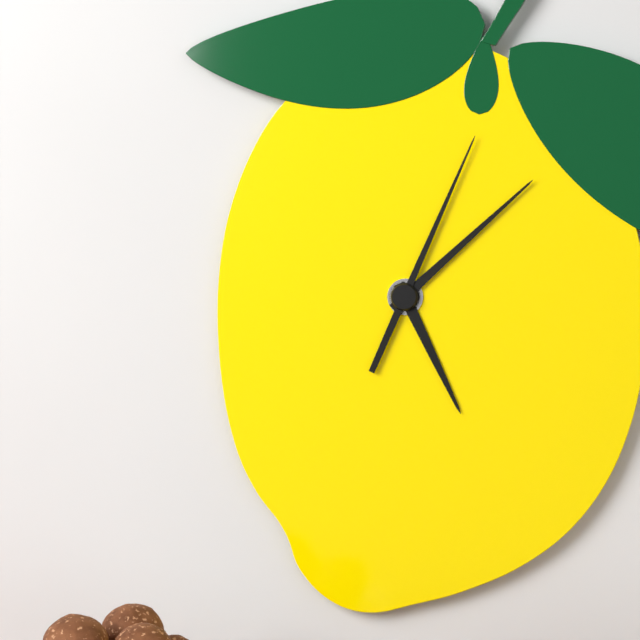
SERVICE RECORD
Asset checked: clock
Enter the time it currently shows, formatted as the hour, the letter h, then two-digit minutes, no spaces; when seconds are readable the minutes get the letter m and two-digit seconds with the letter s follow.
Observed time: 5h08m04s
